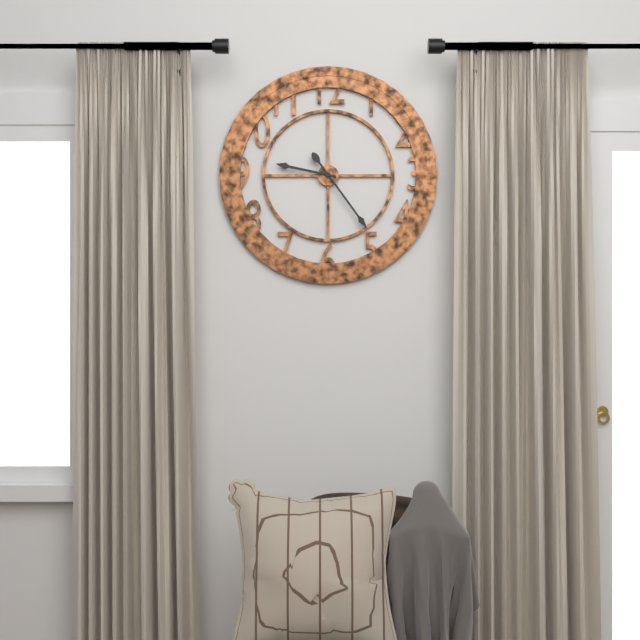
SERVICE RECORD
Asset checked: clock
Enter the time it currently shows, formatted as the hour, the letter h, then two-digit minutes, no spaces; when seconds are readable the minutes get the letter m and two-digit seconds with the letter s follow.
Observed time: 9h24
